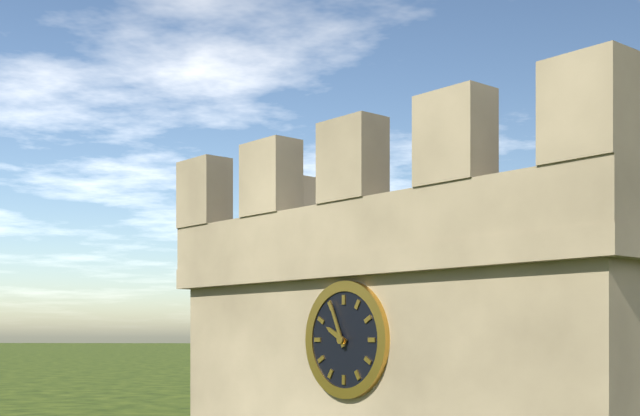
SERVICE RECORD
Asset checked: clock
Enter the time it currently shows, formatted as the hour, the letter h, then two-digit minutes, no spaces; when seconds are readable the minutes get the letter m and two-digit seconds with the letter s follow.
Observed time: 9h56
